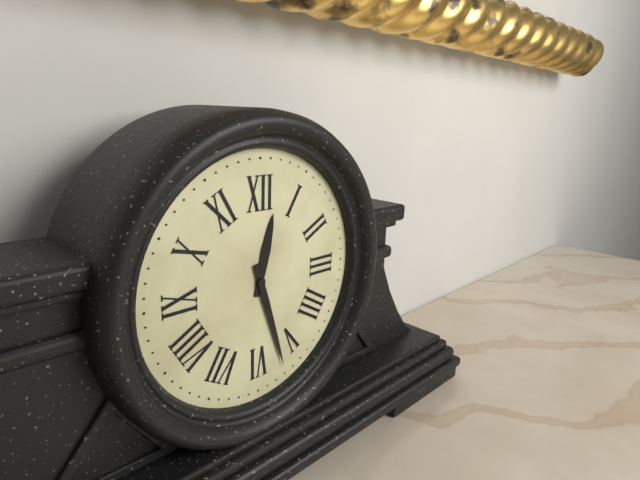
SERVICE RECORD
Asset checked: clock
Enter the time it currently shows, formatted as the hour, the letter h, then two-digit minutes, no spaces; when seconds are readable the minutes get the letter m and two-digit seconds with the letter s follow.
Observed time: 12h27
